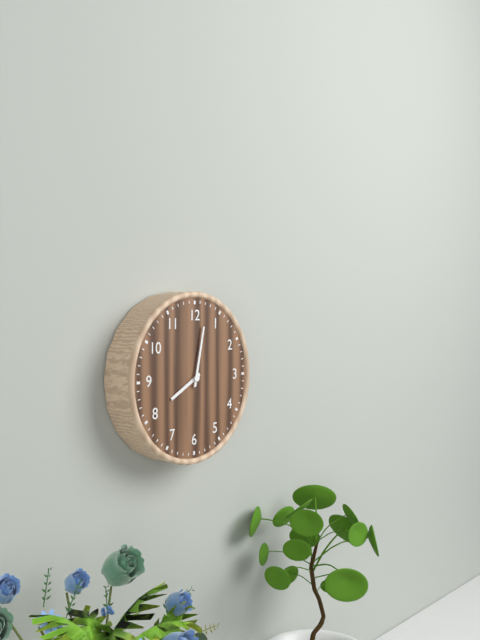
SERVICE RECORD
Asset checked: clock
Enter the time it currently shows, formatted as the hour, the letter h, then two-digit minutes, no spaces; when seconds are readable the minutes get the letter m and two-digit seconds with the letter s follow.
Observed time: 8h02
